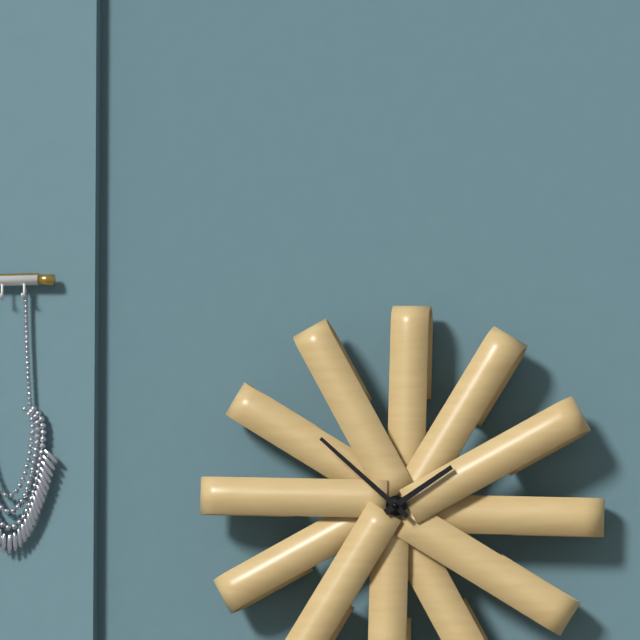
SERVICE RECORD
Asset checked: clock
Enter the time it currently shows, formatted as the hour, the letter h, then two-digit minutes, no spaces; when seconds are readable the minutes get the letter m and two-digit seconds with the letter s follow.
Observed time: 1h52
